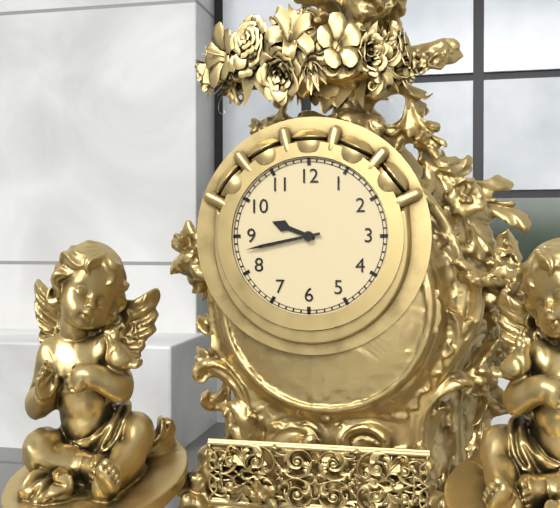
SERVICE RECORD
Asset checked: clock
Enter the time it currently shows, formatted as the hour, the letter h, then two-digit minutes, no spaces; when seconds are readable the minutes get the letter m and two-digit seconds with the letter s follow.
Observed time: 9h43
